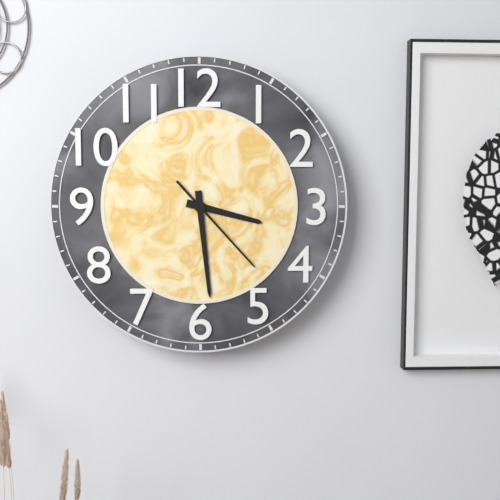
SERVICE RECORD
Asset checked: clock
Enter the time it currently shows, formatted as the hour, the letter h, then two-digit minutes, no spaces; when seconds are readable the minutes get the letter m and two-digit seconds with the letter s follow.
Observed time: 3h29m23s
